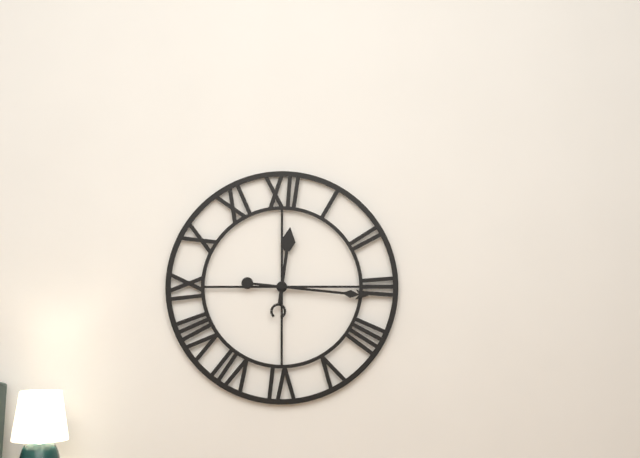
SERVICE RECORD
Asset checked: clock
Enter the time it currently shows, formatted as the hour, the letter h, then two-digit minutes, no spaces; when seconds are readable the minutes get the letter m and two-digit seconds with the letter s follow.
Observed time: 12h16
